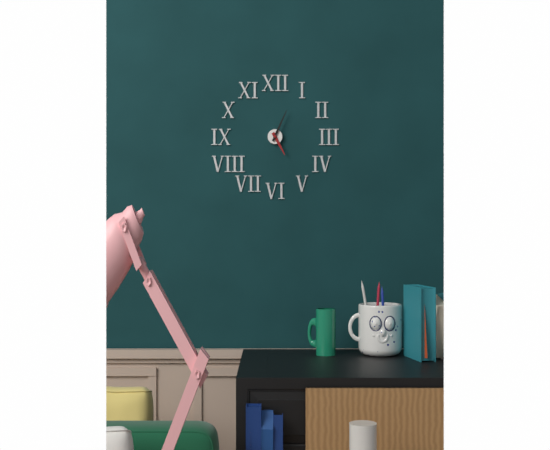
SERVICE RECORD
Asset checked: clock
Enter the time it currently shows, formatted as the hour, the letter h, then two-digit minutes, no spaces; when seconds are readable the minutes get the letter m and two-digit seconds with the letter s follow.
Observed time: 5h04
